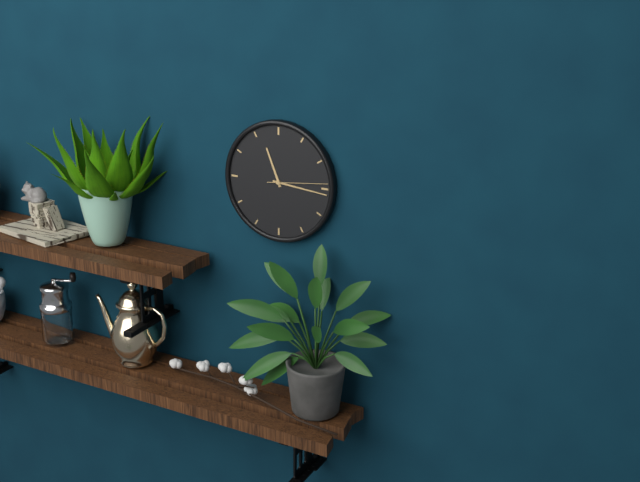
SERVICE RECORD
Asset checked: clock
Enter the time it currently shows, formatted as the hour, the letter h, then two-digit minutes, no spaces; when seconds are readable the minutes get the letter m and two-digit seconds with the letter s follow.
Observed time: 11h16m14s
